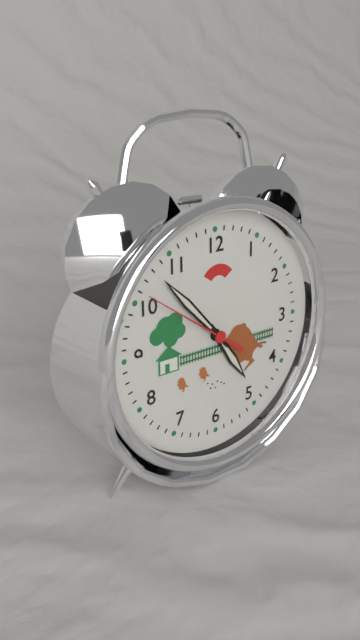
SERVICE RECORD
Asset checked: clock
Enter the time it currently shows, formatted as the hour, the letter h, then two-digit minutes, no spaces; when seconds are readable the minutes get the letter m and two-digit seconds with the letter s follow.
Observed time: 4h53m51s
